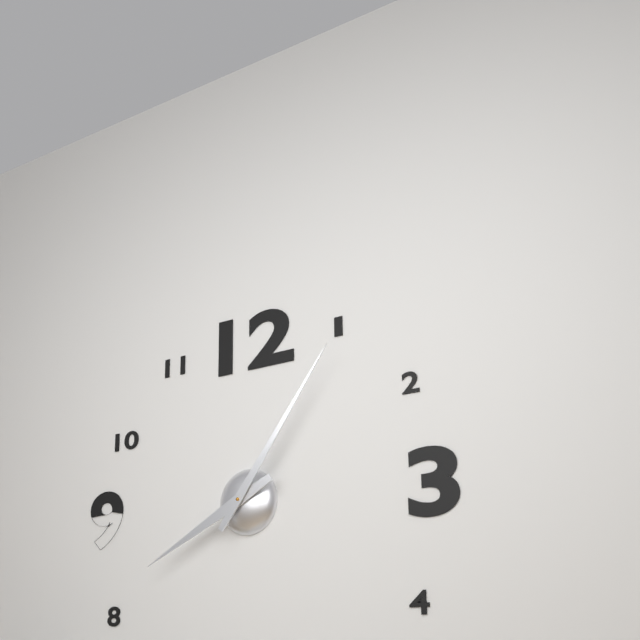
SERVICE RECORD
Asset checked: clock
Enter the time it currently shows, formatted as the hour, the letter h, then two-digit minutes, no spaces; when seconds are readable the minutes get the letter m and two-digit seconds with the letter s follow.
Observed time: 8h06
